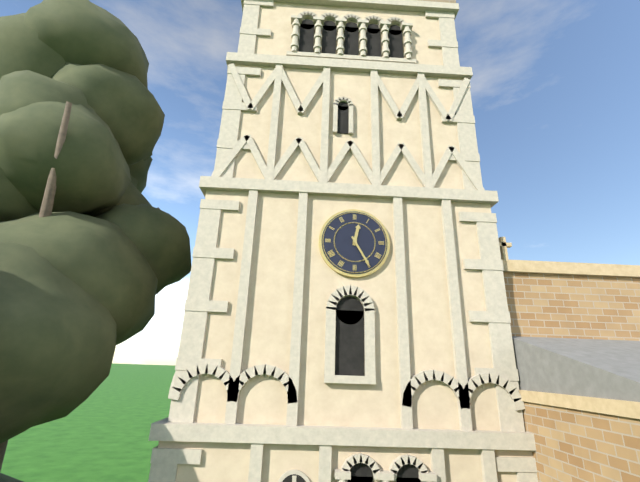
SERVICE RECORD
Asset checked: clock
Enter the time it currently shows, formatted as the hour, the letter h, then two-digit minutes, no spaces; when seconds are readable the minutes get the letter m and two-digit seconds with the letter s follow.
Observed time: 12h25
